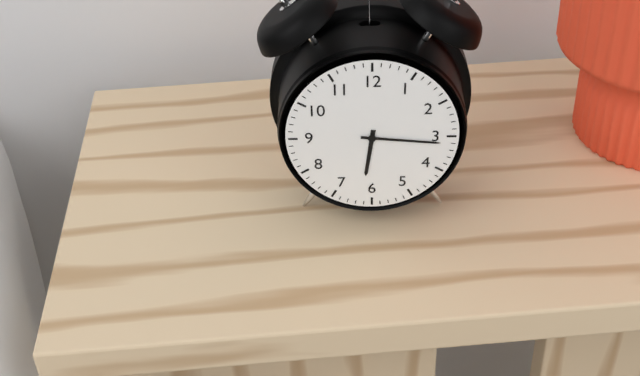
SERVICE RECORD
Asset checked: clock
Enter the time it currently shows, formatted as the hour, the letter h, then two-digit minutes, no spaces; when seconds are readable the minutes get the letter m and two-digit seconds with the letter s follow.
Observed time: 6h16
